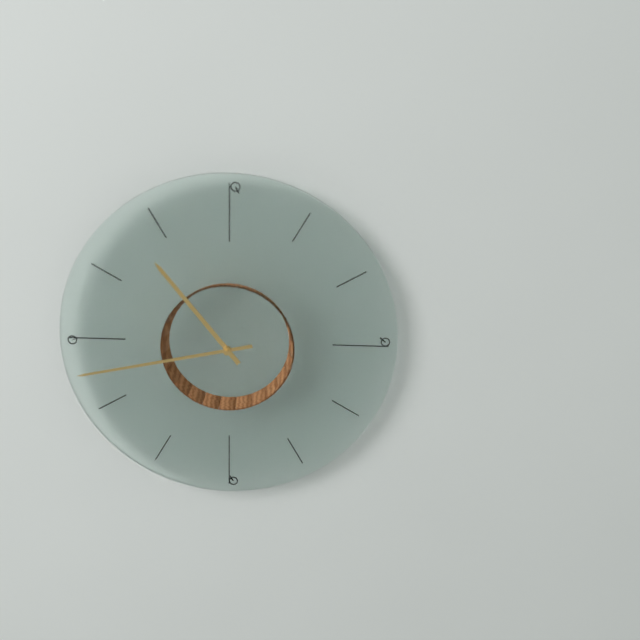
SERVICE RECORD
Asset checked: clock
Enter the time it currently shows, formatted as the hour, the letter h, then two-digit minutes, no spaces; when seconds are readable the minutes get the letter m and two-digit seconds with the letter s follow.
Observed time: 10h43
